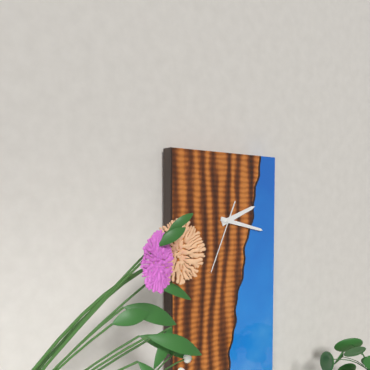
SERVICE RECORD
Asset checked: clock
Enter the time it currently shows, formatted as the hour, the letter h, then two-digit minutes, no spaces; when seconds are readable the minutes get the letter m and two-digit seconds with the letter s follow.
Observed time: 2h17m34s
